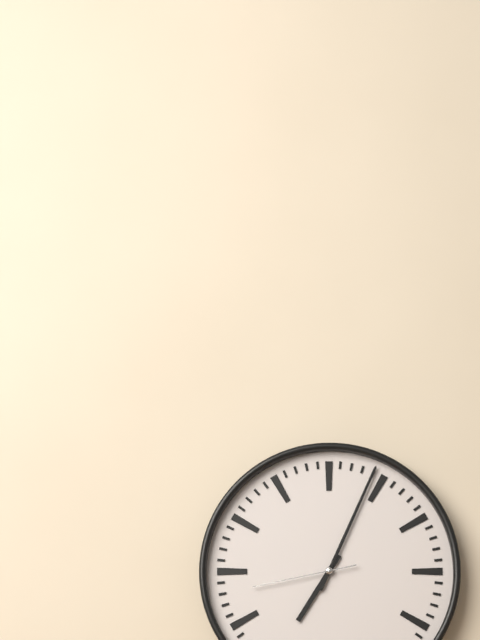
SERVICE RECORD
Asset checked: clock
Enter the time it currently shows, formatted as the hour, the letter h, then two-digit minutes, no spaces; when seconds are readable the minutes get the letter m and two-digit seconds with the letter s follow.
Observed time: 7h04m43s
